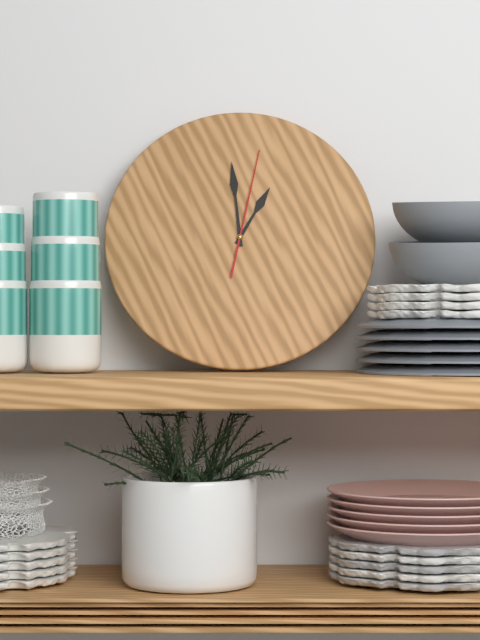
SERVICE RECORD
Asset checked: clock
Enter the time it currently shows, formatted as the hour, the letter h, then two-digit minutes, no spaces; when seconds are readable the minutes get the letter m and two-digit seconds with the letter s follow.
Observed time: 12h59m02s
